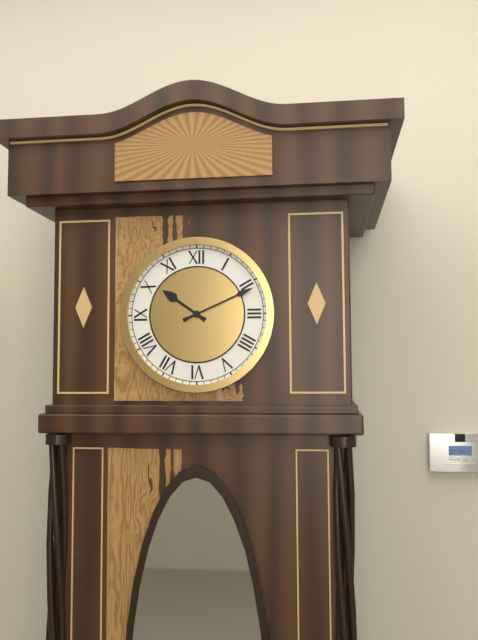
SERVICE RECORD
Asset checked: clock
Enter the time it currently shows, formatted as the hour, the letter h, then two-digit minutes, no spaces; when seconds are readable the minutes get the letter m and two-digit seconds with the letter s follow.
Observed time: 10h11
